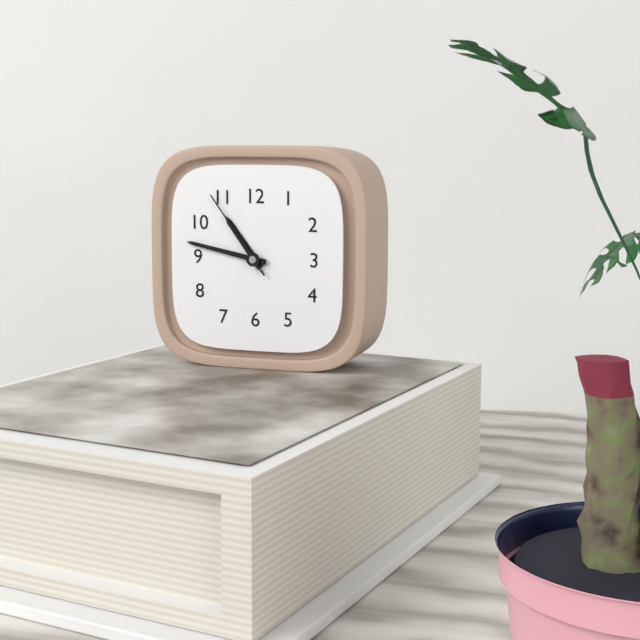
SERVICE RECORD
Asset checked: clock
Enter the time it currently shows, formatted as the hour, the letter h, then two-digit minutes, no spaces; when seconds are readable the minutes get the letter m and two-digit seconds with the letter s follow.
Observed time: 10h47m54s
